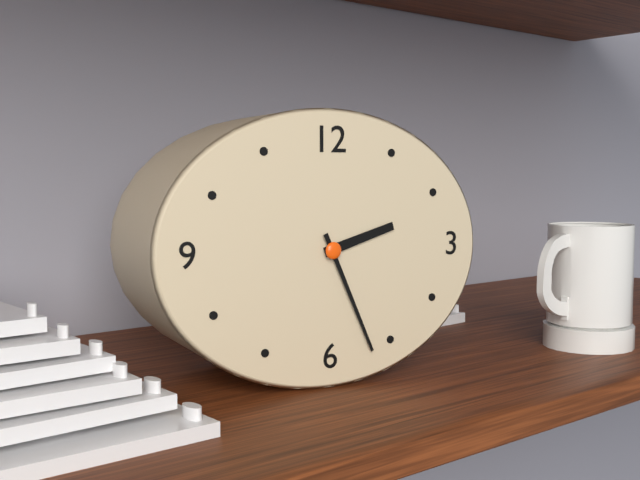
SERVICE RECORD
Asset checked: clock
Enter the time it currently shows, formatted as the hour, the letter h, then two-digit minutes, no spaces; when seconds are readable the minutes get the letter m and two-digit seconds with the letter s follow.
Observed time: 2h26
